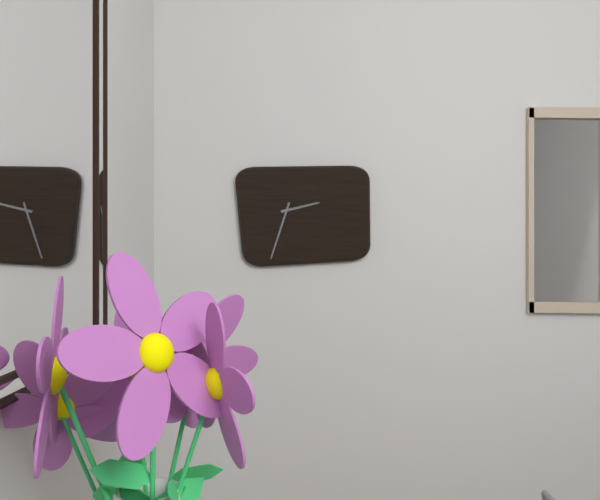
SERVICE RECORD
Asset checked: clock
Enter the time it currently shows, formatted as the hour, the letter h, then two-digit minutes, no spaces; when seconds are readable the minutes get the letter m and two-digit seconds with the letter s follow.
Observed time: 2h33
